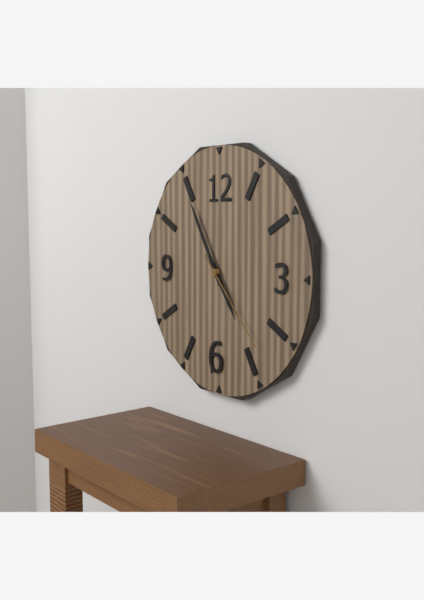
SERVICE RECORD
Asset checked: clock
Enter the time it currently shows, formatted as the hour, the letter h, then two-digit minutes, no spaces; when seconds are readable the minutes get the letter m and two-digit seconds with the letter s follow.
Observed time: 4h55m23s
